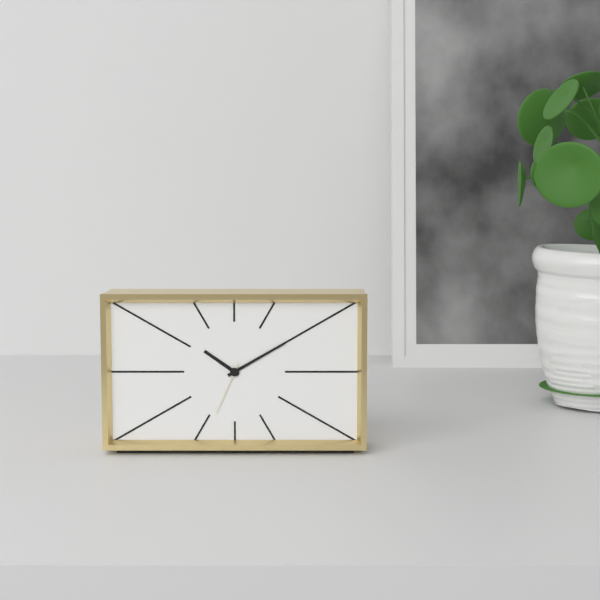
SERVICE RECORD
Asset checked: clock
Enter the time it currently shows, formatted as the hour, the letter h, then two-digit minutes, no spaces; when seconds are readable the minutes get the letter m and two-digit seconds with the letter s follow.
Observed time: 10h10m34s
